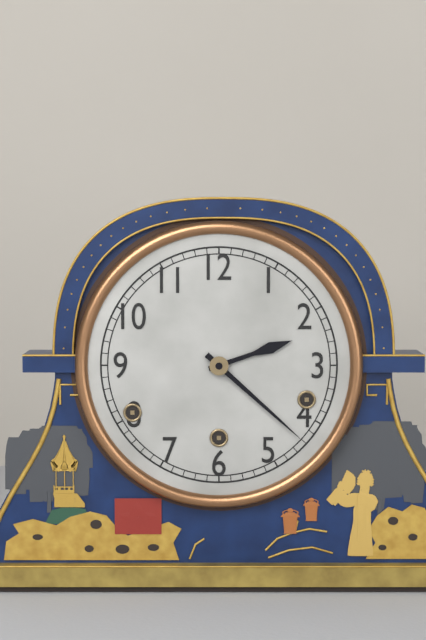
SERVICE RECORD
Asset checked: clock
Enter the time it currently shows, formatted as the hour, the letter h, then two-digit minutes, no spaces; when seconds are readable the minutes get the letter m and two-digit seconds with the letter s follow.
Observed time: 2h22
